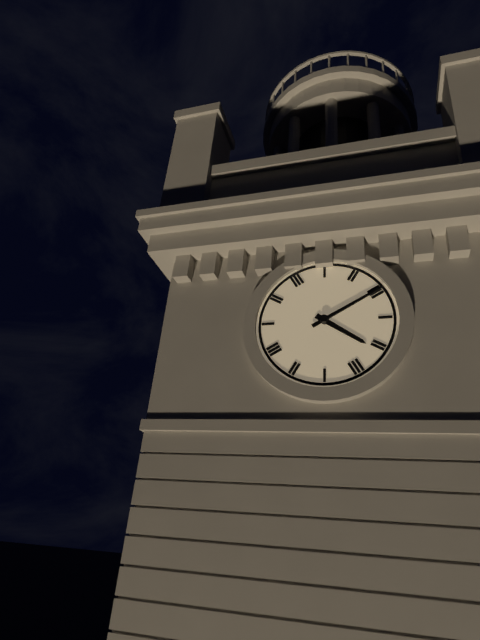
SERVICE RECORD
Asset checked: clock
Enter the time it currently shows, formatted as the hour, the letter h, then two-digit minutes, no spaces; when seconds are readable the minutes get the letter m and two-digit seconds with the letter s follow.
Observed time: 4h10
